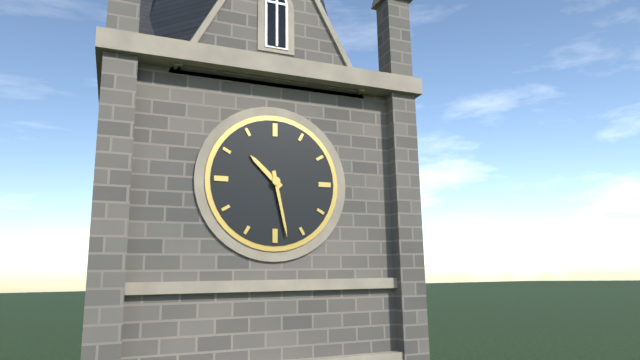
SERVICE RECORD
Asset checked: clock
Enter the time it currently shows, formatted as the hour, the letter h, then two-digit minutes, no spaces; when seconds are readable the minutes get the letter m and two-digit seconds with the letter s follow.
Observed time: 10h28
